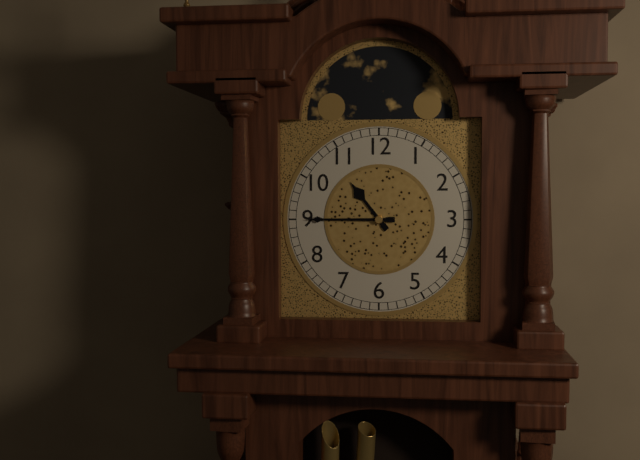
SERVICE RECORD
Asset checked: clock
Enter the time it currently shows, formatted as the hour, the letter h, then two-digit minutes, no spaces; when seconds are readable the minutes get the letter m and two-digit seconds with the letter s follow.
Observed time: 10h45
